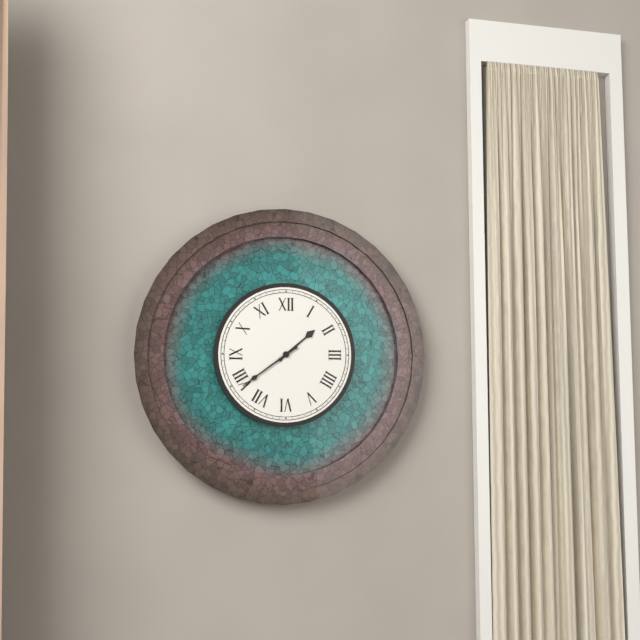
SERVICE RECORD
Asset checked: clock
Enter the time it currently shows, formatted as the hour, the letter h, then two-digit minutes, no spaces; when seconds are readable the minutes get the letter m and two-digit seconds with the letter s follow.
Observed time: 1h39
